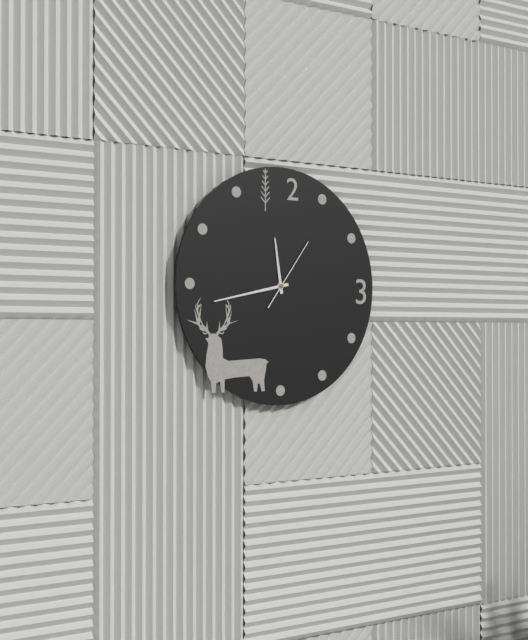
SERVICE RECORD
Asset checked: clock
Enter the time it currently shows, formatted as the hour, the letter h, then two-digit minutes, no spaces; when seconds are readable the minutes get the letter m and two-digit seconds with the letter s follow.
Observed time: 11h43m06s
